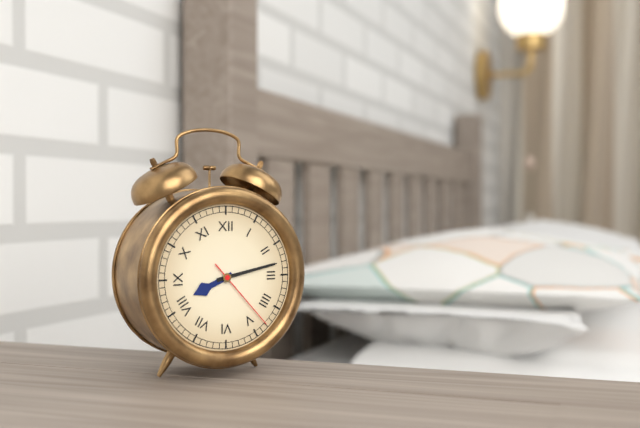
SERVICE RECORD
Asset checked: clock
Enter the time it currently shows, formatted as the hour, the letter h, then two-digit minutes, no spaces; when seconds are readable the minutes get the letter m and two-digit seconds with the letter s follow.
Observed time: 8h13m23s
